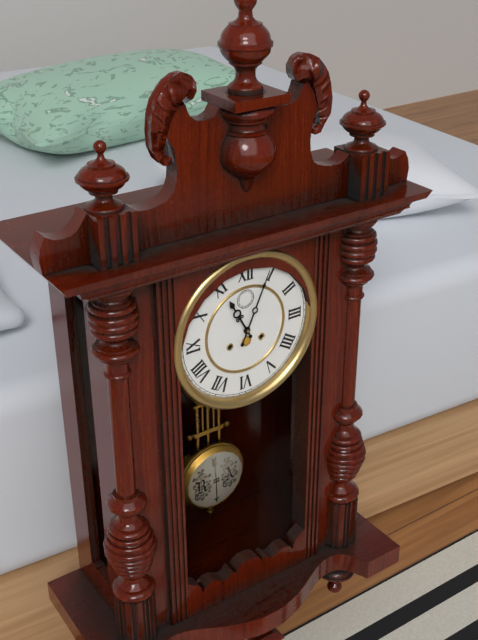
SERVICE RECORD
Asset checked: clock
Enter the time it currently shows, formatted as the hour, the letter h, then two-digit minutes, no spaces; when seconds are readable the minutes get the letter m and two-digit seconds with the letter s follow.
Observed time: 11h04
